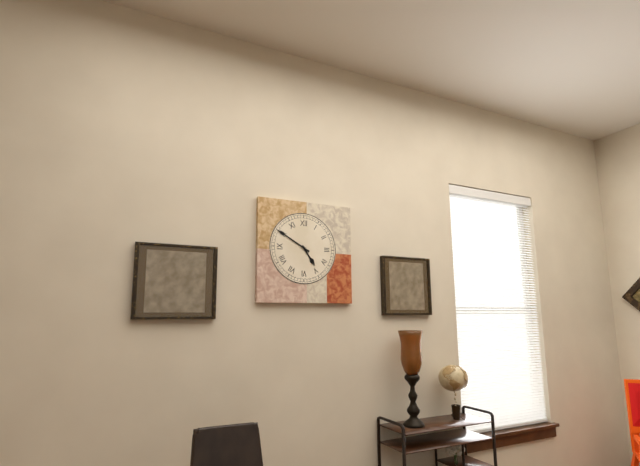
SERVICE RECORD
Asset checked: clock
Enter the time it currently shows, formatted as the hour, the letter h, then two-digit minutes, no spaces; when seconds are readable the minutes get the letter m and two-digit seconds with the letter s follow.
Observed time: 4h50
